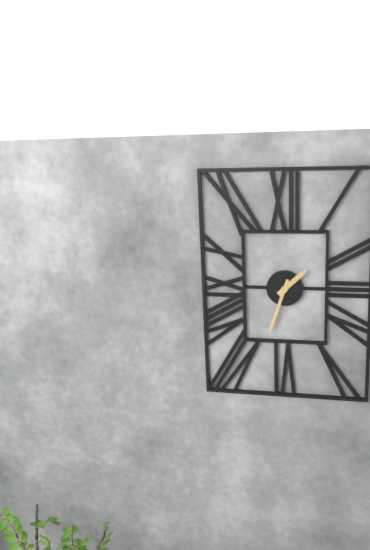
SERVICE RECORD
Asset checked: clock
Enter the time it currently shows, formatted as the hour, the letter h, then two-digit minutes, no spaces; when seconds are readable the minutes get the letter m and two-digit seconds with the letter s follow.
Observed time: 1h33
